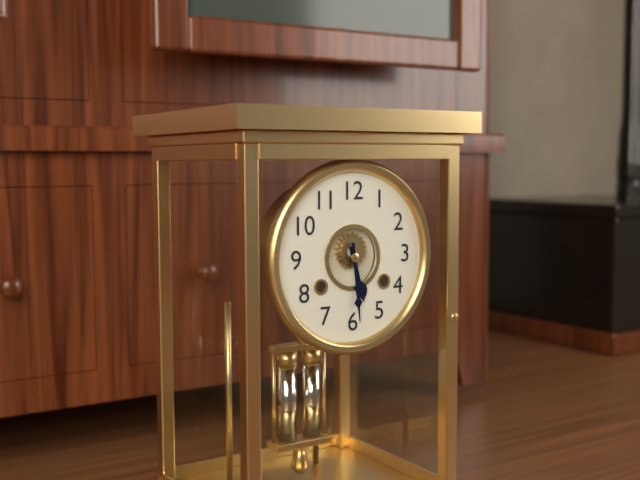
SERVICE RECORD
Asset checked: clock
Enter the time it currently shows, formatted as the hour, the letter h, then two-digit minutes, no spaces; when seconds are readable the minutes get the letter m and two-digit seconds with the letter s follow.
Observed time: 5h29
